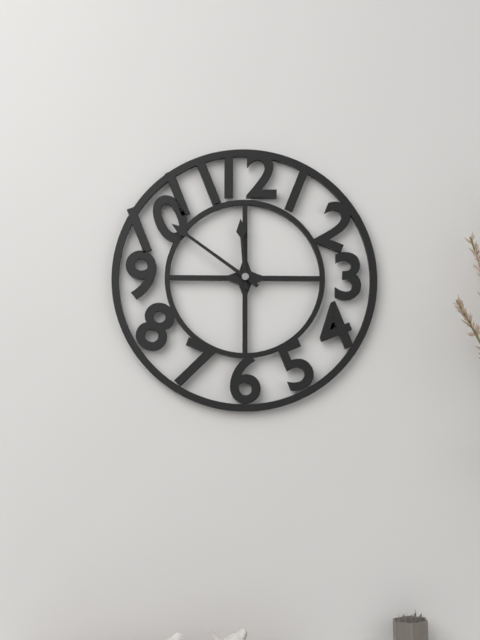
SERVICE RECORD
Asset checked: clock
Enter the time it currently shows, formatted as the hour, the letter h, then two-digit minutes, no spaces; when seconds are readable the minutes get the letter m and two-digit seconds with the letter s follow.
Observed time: 11h51
